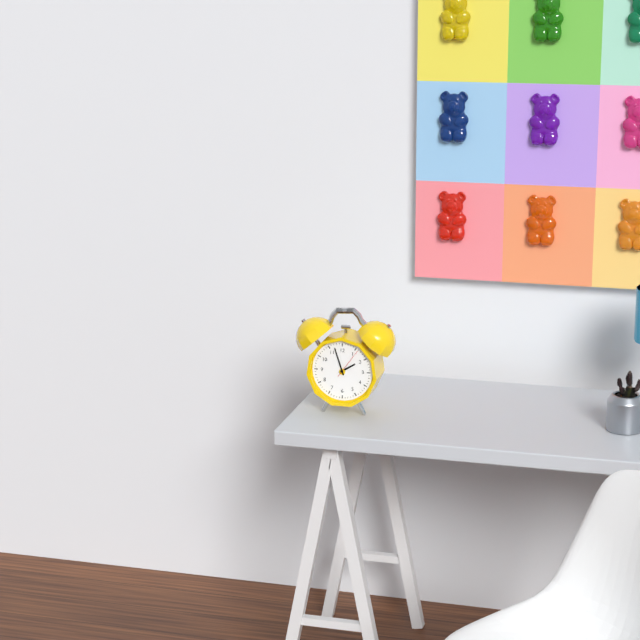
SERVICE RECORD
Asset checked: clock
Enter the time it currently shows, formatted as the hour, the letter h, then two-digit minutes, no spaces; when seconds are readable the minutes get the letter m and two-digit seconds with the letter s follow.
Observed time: 1h57
